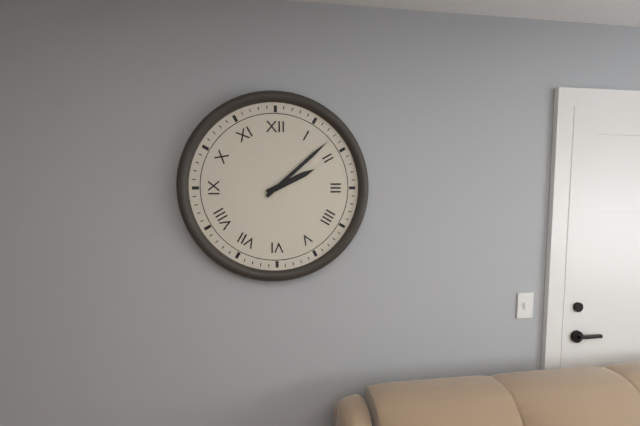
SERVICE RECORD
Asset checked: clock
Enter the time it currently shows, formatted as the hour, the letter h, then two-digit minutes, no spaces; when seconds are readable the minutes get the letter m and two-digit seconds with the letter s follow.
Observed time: 2h08
